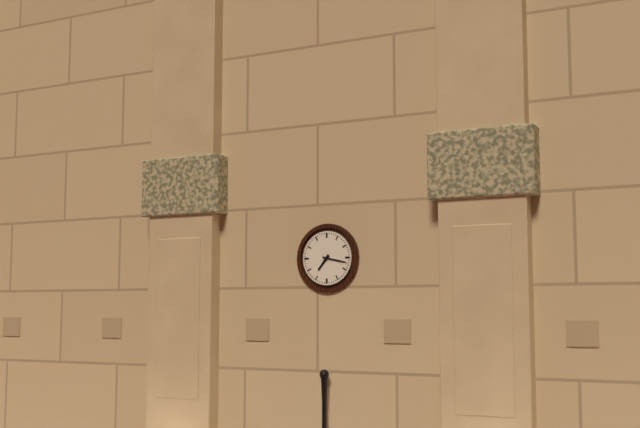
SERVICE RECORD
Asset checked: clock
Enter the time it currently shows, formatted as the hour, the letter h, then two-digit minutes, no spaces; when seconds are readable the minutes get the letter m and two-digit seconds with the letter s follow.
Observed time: 7h17
